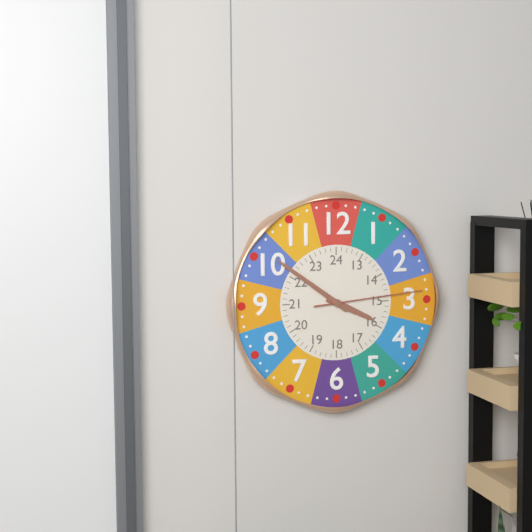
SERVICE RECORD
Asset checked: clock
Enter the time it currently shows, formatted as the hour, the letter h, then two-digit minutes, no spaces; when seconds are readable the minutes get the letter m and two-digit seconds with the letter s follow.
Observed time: 3h51m14s
